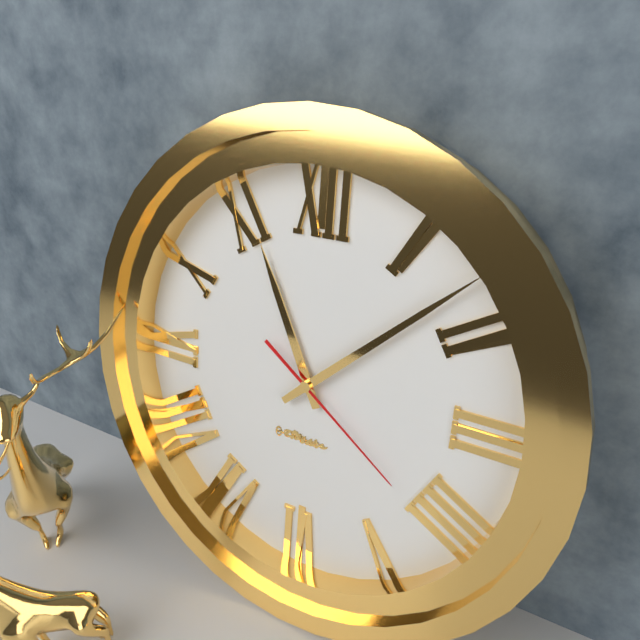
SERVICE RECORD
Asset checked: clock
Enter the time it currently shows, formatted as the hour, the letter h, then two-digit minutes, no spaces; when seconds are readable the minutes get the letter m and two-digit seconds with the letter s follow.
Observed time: 11h08m21s
